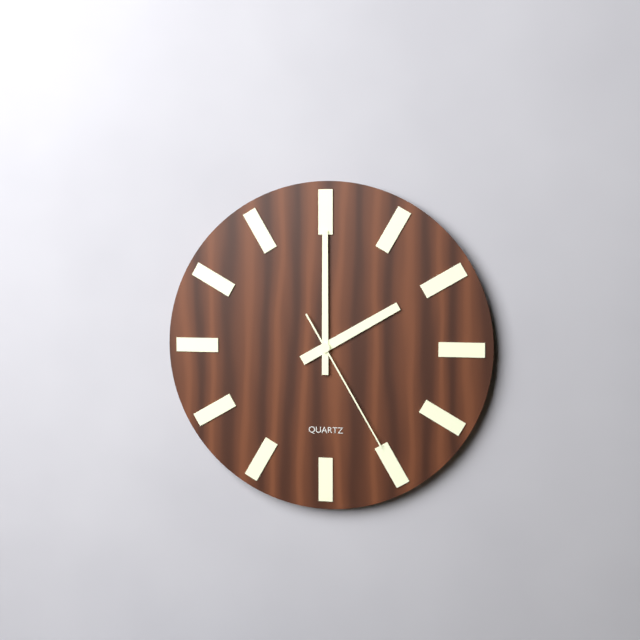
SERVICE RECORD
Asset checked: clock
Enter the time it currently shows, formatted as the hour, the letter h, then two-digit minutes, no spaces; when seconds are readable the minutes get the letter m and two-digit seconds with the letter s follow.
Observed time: 2h00m25s
